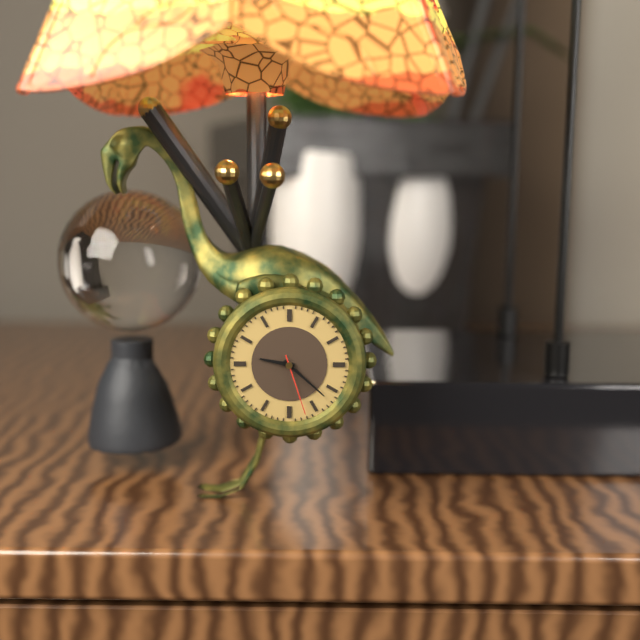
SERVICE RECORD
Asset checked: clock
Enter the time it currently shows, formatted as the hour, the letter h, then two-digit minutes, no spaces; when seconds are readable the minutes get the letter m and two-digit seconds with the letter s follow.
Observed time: 9h22m27s
